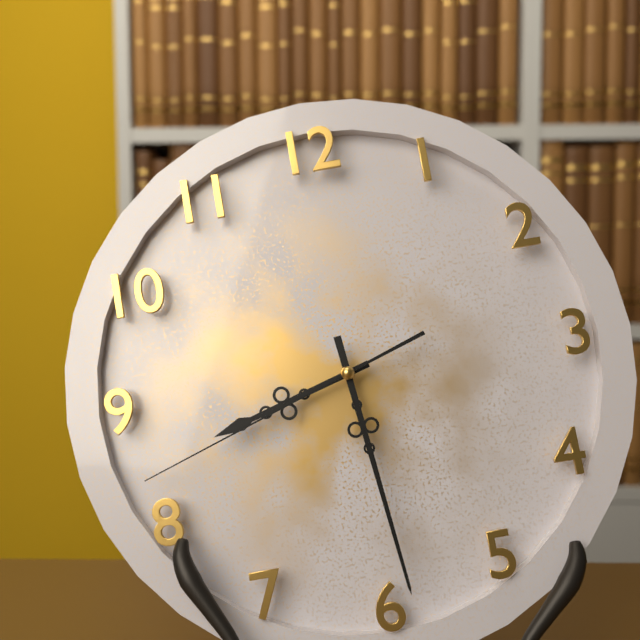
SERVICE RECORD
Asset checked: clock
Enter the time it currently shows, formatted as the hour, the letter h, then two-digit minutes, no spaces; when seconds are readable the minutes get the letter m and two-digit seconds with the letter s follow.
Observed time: 8h29m42s
